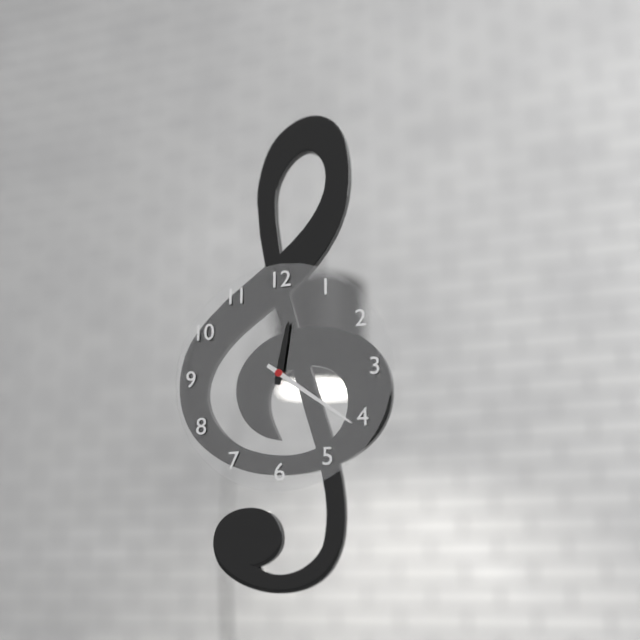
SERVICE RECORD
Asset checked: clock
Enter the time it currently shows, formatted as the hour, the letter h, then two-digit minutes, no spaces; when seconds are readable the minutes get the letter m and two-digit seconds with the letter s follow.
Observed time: 12h21
